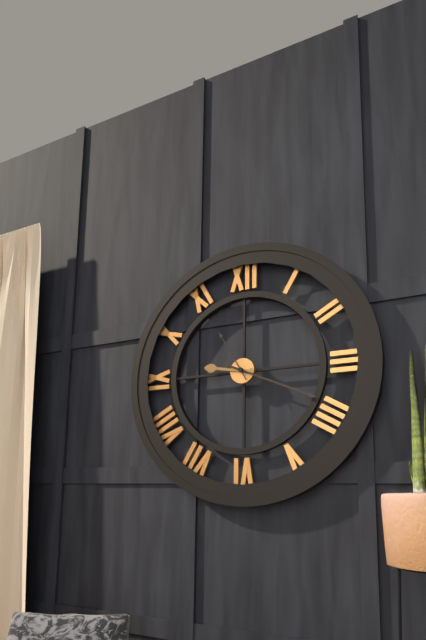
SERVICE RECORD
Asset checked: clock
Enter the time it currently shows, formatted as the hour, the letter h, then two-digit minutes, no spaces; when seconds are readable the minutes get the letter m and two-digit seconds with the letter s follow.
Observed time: 9h19m55s
